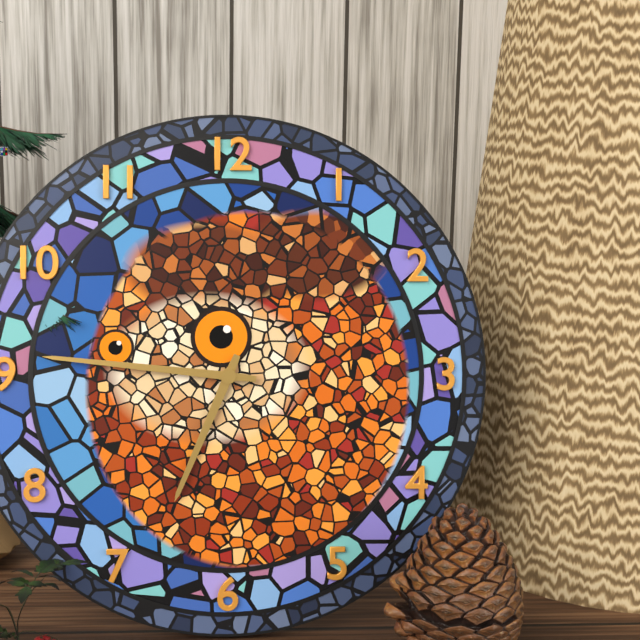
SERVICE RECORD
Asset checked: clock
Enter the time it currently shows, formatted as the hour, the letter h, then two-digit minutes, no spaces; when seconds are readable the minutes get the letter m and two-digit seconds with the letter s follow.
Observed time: 6h46
